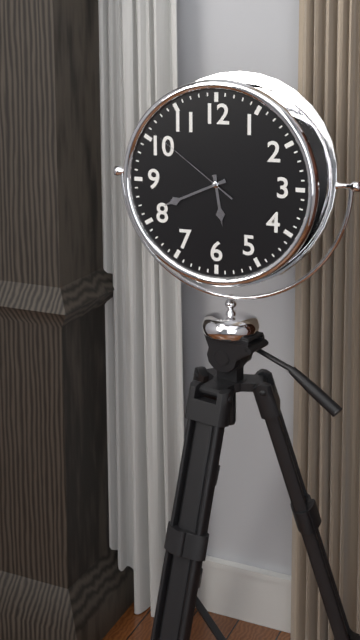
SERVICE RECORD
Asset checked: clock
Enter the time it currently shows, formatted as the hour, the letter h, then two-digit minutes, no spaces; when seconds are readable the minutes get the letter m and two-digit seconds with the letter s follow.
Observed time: 5h41m51s
